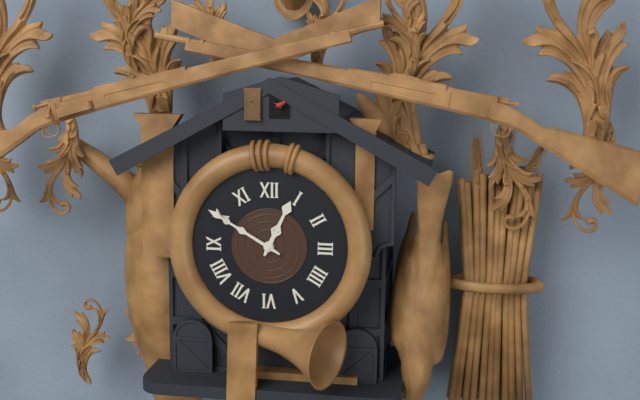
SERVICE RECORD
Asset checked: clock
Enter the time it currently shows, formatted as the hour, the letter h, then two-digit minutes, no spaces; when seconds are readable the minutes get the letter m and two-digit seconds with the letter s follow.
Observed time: 12h50
